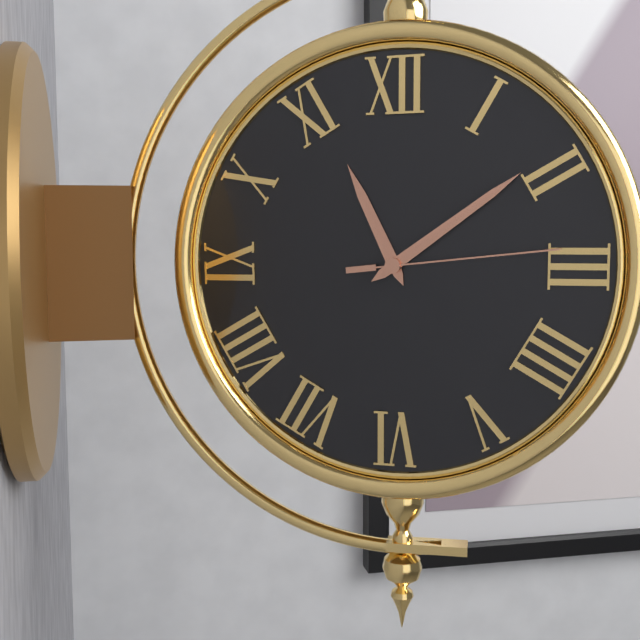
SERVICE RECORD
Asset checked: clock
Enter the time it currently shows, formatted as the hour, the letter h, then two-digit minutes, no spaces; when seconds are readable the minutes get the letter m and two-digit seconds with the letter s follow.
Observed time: 11h09m14s
